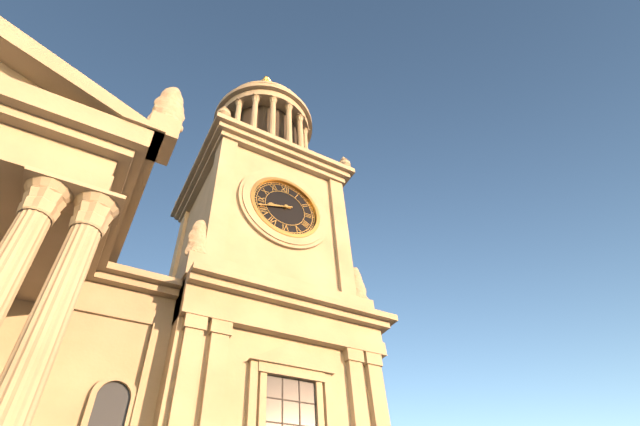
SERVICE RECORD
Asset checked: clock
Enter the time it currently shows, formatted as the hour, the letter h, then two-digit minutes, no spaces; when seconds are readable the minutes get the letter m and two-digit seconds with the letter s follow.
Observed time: 8h42
